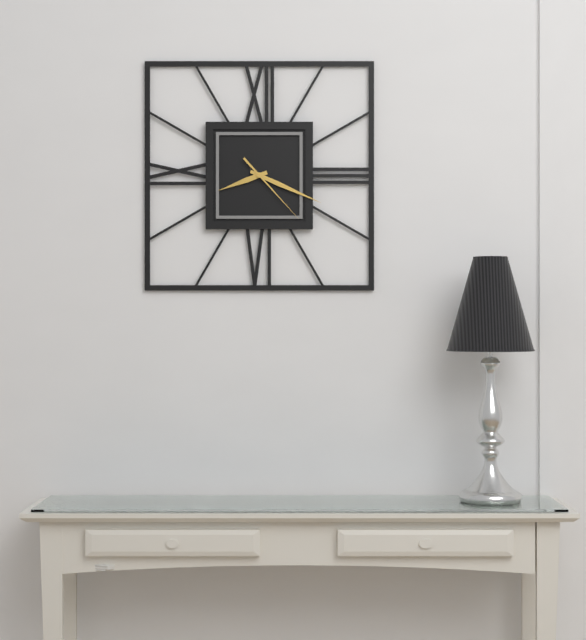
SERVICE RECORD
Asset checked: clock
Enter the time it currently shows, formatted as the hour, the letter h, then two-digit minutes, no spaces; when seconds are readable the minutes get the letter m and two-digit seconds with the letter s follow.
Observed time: 8h19m23s
